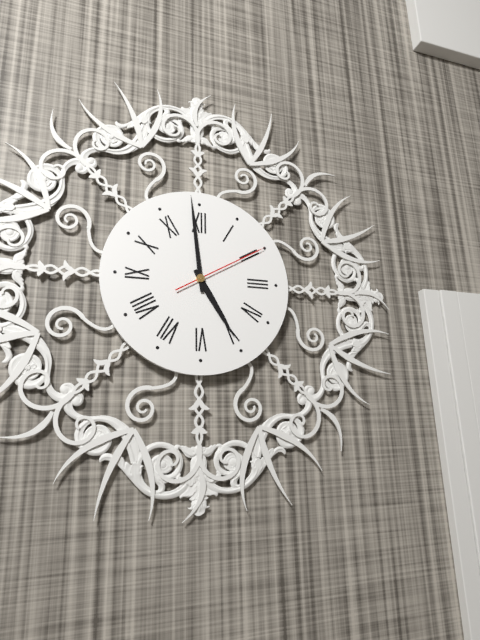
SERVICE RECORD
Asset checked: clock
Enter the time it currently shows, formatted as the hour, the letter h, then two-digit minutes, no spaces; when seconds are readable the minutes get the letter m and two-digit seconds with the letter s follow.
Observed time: 4h59m10s
